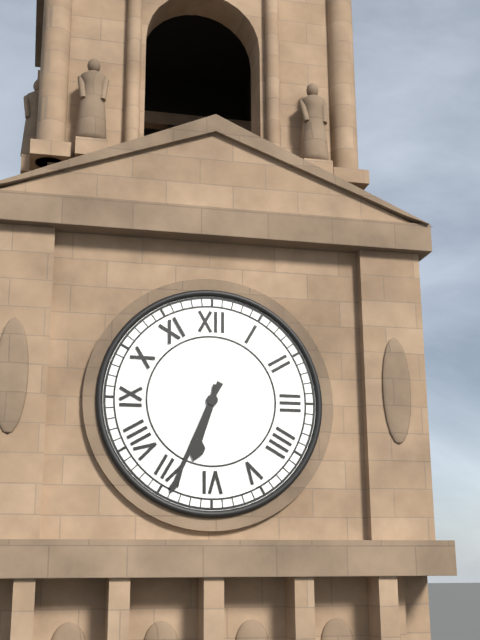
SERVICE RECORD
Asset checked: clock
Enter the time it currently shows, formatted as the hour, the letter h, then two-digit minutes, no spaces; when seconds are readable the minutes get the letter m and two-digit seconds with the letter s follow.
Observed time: 6h34
